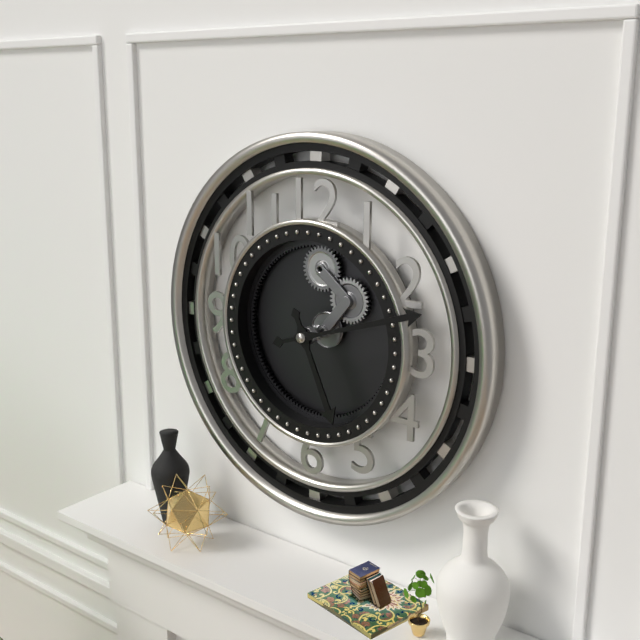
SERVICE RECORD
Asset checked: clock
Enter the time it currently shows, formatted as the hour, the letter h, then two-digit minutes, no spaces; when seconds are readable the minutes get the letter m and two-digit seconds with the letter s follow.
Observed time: 5h12
